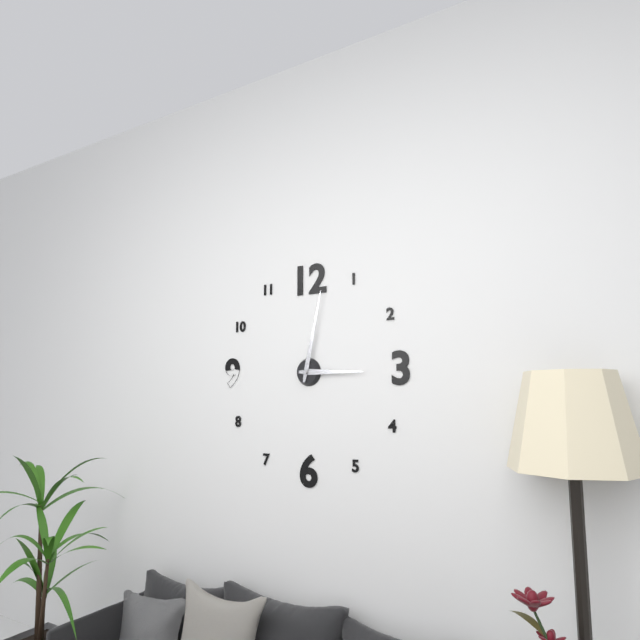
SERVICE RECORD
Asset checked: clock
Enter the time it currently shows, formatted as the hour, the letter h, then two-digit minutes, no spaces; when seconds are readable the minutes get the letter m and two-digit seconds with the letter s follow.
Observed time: 3h02
